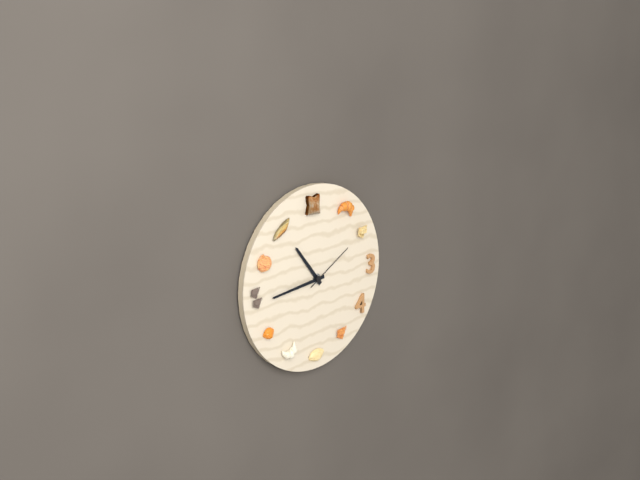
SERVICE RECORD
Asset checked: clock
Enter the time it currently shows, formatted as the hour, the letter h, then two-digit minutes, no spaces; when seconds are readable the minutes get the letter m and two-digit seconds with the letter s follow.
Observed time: 10h44m10s
